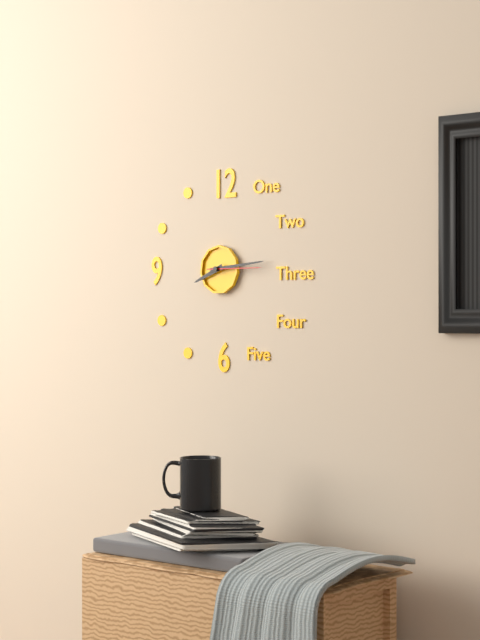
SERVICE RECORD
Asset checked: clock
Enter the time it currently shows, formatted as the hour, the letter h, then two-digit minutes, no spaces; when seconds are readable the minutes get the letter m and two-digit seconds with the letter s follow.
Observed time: 8h14m15s
